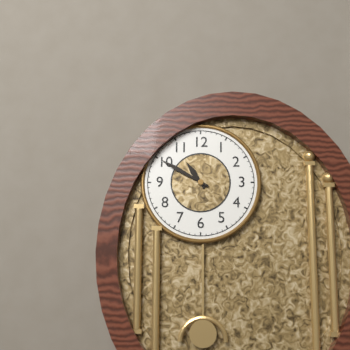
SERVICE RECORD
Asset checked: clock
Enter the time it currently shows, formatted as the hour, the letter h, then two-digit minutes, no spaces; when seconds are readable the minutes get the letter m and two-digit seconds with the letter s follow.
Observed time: 10h50
